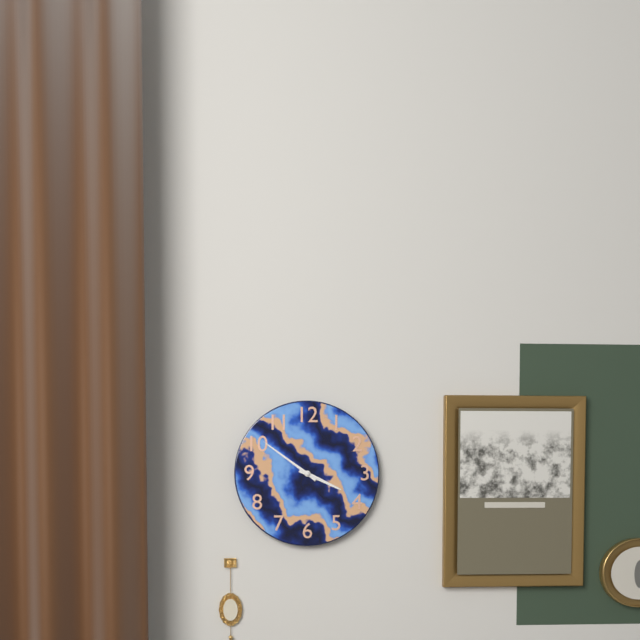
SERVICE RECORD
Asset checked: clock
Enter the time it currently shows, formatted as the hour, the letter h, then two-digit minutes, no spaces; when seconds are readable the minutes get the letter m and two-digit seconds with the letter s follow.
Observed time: 3h51
